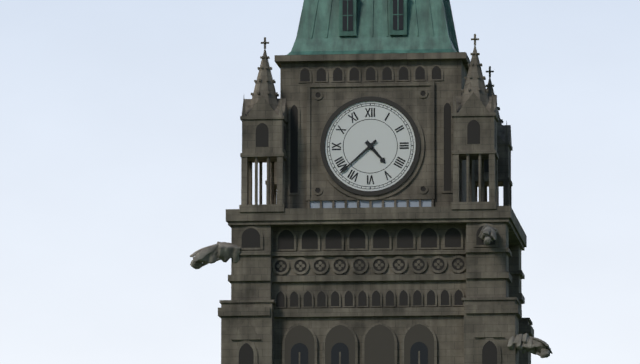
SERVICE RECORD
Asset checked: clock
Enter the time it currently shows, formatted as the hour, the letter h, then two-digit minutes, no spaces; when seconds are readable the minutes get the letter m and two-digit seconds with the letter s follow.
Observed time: 4h38
